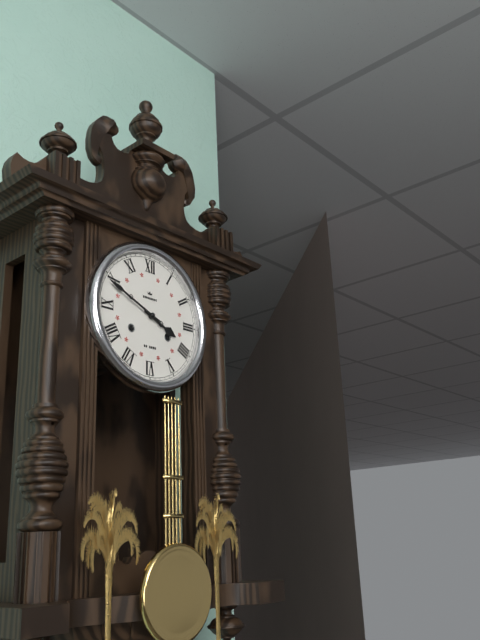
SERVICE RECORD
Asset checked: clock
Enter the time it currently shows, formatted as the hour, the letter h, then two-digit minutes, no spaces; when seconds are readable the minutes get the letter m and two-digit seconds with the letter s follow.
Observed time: 3h49
